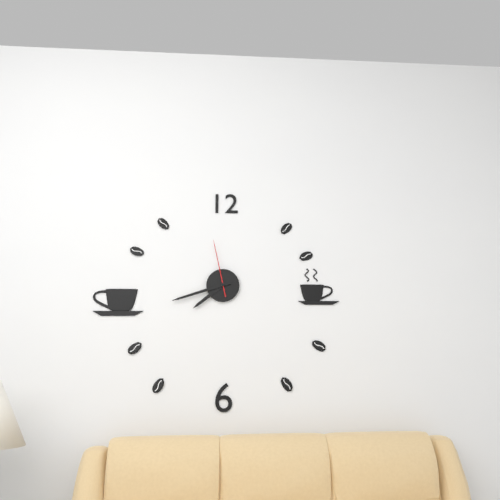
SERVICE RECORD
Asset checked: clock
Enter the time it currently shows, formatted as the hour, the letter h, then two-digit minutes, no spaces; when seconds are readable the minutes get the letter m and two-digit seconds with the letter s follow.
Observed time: 7h42m58s
